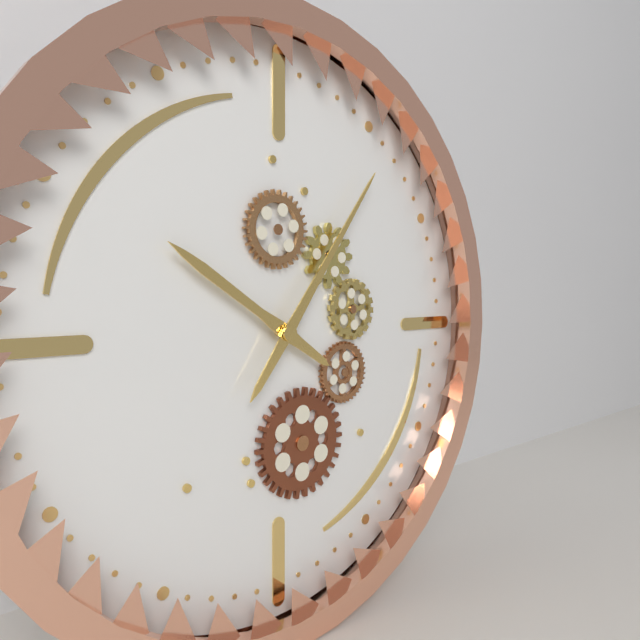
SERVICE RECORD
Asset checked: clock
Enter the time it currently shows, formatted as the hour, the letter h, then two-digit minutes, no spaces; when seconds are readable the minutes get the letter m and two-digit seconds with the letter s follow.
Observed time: 10h06
